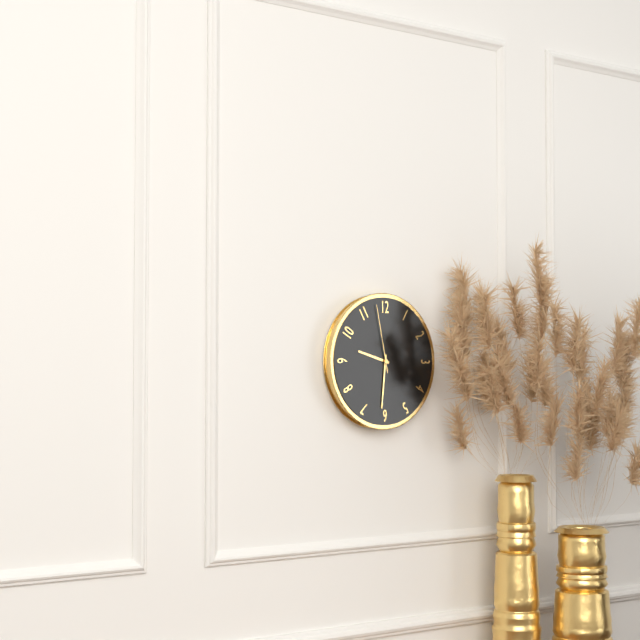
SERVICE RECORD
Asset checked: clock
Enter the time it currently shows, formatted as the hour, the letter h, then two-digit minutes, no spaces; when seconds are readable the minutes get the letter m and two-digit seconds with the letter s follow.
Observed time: 9h31m58s
